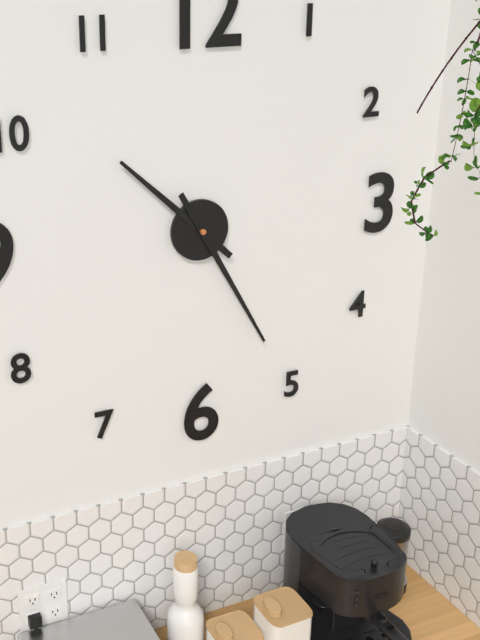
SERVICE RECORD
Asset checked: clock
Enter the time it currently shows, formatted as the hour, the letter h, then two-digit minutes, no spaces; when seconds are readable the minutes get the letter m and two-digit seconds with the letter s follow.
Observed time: 10h25
